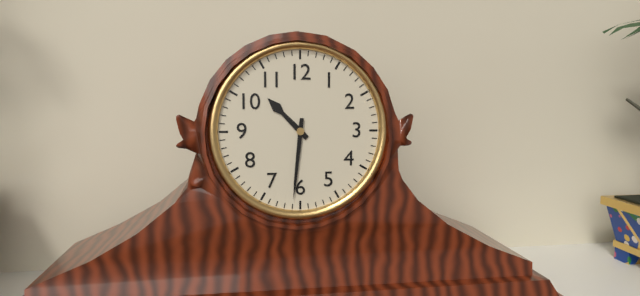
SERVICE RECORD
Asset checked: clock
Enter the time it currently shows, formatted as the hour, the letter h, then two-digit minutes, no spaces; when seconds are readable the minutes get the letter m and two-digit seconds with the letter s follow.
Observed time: 10h31
